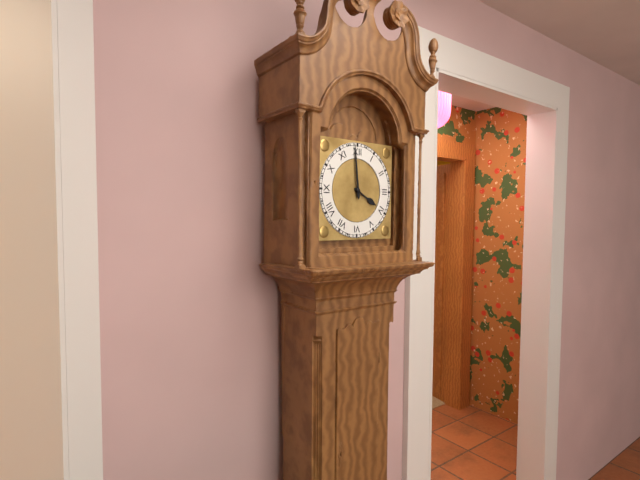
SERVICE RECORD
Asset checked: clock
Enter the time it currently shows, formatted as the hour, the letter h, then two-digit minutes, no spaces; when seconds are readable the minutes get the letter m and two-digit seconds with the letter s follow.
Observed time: 3h59
